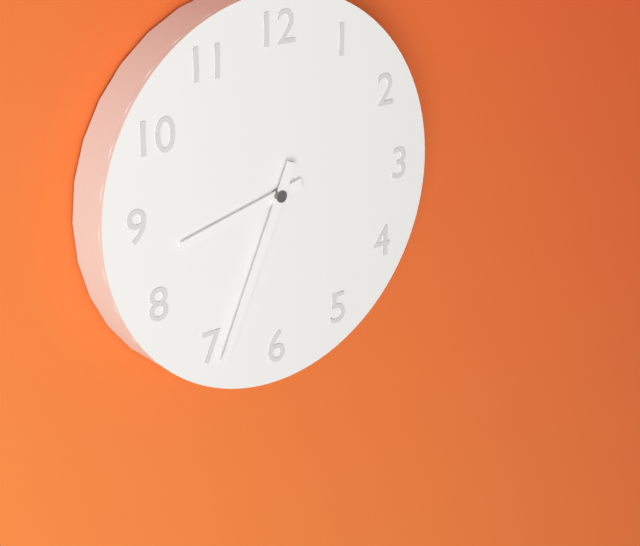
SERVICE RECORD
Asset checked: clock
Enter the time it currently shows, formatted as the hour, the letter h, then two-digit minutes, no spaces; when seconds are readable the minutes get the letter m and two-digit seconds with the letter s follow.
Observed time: 8h34
